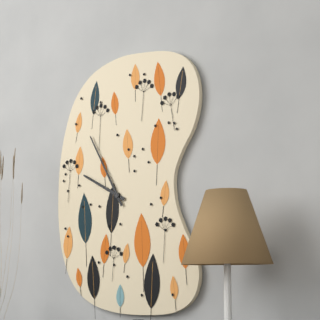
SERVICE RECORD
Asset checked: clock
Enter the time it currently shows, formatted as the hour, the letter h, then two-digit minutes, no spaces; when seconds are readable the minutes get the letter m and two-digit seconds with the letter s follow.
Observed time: 9h55
